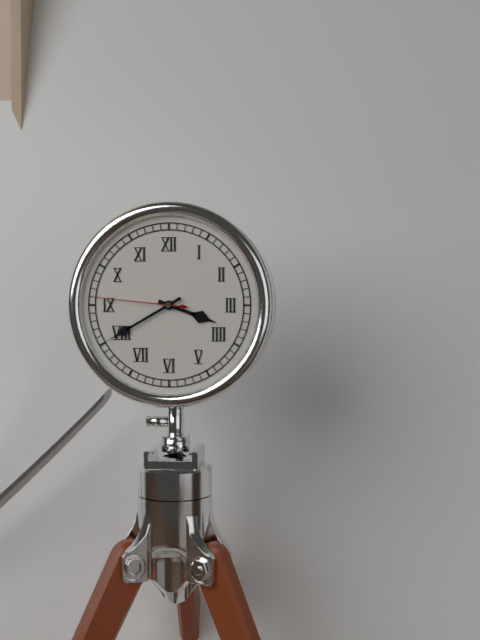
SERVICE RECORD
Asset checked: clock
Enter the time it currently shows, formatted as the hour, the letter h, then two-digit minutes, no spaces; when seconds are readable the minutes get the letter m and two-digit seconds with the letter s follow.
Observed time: 3h40m46s
